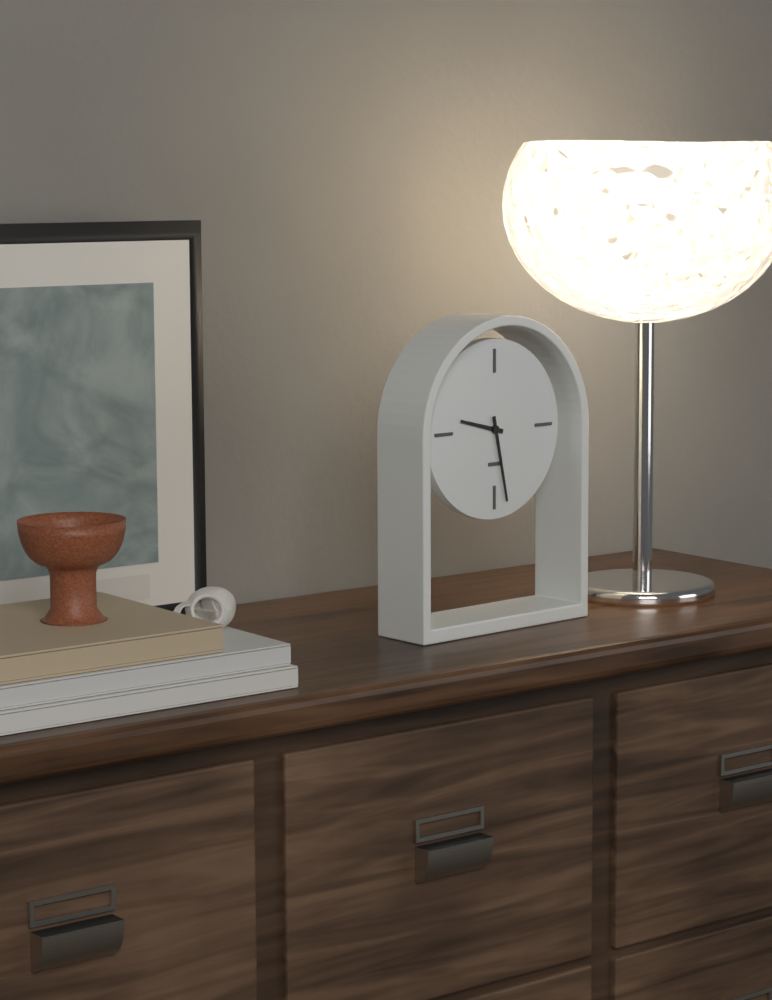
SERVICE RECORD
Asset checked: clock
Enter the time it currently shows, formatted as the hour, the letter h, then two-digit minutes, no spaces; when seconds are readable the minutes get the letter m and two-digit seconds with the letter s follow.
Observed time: 9h28
